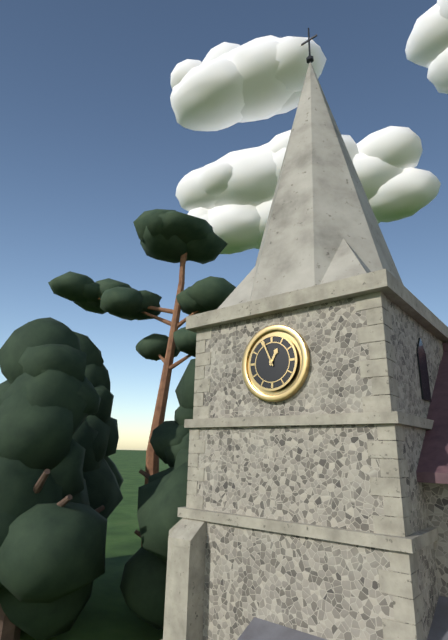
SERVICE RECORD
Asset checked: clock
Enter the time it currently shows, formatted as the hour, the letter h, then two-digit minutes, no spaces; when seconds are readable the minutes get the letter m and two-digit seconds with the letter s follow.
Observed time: 12h56
